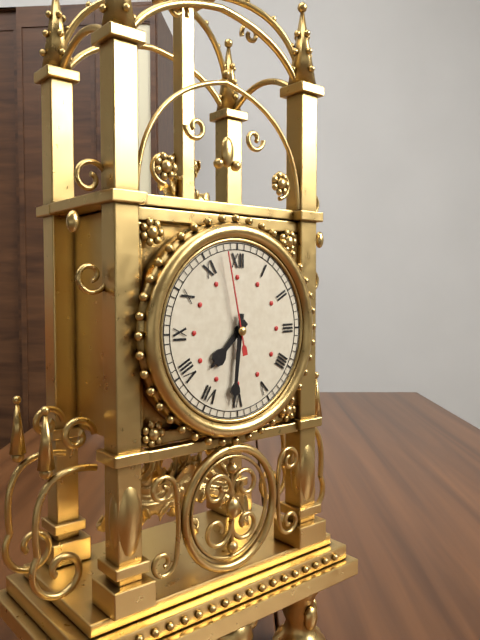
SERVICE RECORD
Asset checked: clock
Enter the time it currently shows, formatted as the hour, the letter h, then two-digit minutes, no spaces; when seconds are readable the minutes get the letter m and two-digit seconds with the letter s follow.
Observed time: 7h31m58s
